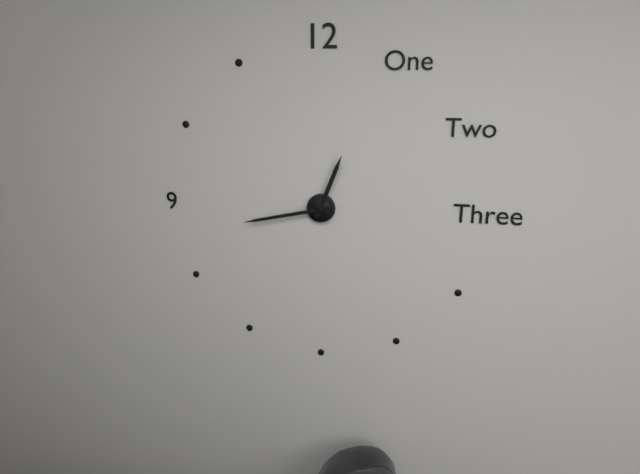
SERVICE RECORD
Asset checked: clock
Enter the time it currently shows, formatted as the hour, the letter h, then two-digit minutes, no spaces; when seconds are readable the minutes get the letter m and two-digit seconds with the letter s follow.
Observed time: 12h43
